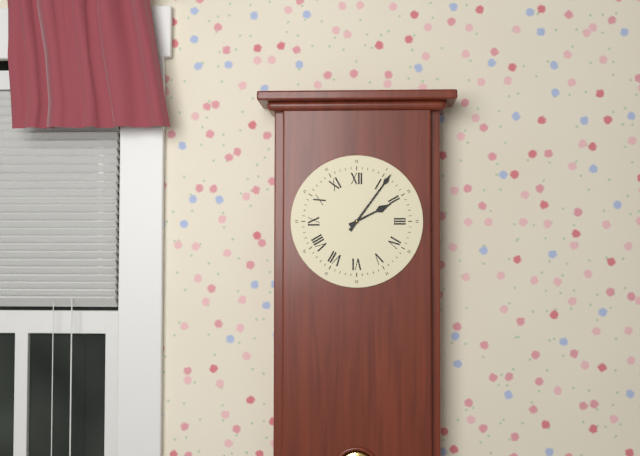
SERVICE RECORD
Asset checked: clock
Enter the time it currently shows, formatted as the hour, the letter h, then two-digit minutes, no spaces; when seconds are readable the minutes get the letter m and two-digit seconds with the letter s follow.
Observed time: 2h06
